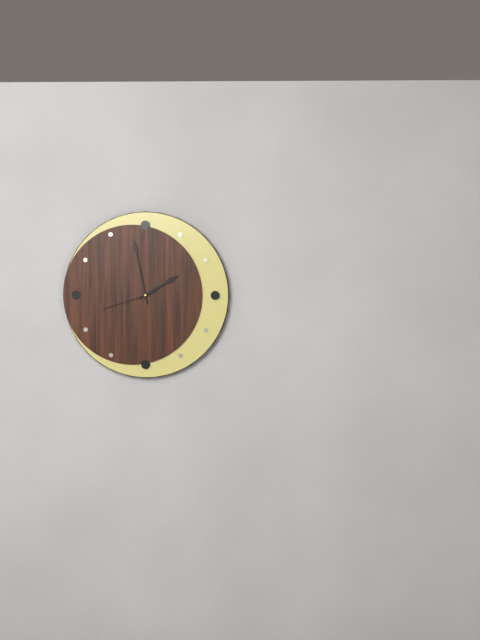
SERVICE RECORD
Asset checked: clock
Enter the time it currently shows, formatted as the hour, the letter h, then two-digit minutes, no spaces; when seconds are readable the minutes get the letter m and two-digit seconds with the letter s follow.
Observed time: 1h58m42s
